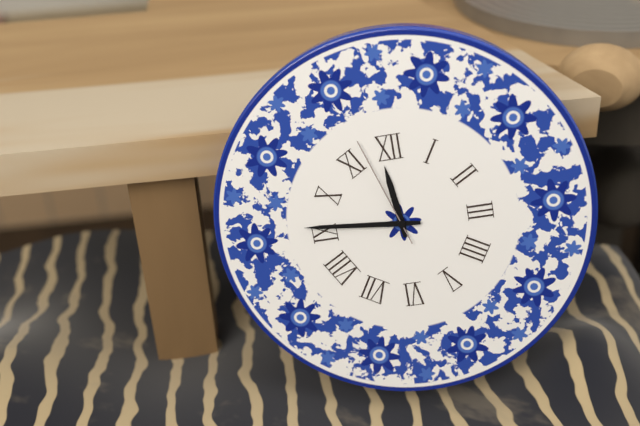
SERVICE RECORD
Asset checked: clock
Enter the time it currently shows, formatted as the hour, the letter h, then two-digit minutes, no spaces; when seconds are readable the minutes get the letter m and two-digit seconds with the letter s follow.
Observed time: 11h46m57s
